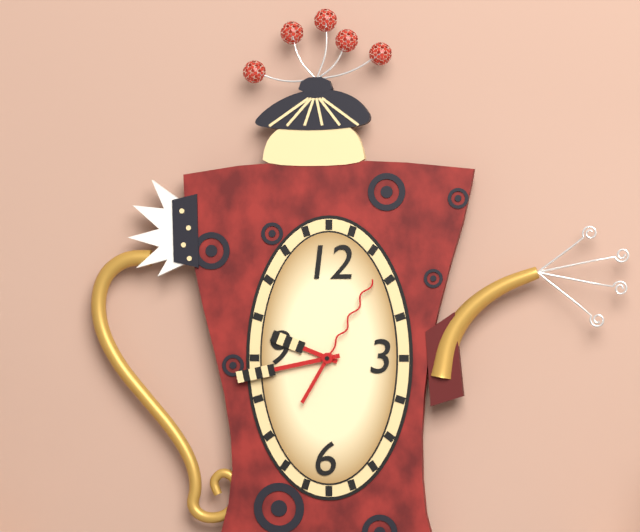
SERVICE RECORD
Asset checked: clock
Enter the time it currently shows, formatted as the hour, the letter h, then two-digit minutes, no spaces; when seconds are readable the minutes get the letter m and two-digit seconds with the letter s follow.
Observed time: 9h43m05s
